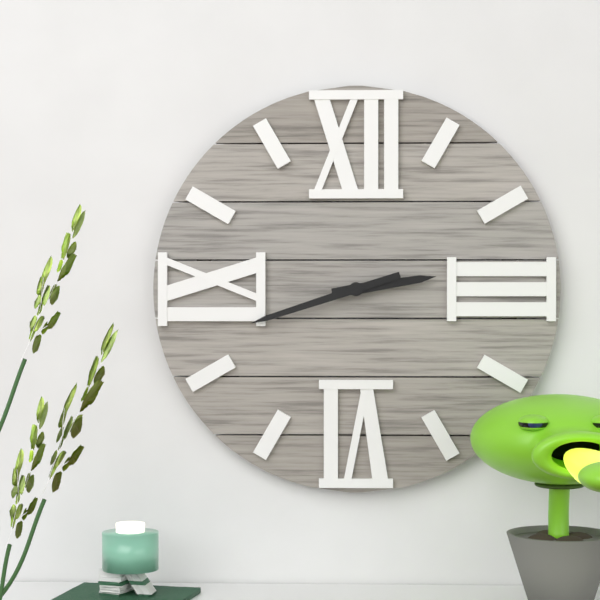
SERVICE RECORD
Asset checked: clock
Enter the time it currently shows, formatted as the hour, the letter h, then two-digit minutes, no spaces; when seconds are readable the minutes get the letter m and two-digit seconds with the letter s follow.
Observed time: 2h42
